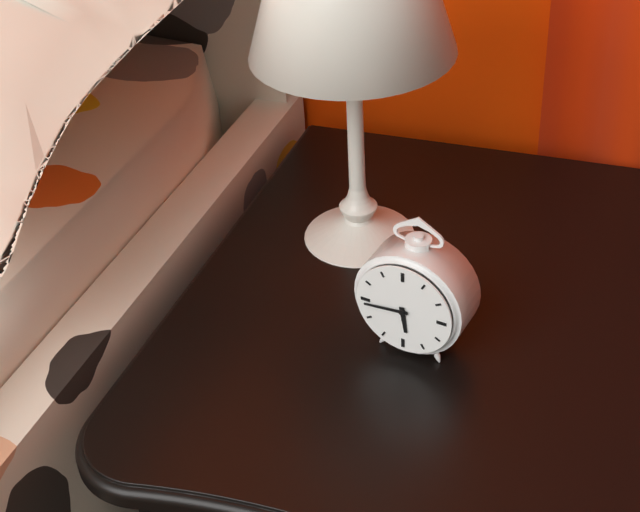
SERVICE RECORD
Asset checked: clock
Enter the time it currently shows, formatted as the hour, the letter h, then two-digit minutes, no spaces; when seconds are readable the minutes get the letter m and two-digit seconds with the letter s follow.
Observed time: 5h44
